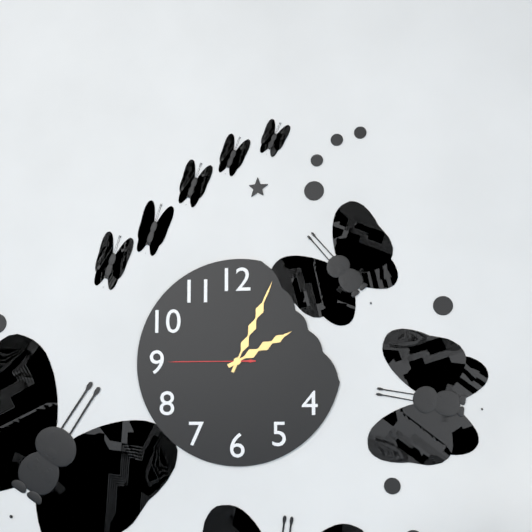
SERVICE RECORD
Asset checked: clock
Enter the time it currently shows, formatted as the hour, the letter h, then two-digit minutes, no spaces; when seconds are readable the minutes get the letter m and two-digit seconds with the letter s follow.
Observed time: 2h04m45s
